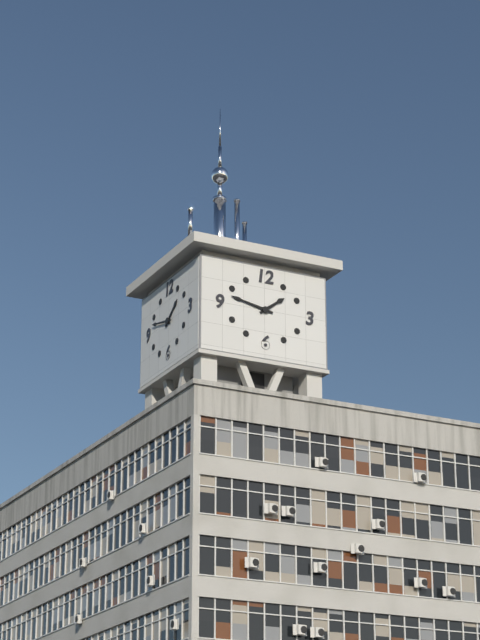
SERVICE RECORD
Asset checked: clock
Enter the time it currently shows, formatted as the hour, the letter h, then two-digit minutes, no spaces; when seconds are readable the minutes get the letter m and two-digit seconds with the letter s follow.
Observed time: 1h47
